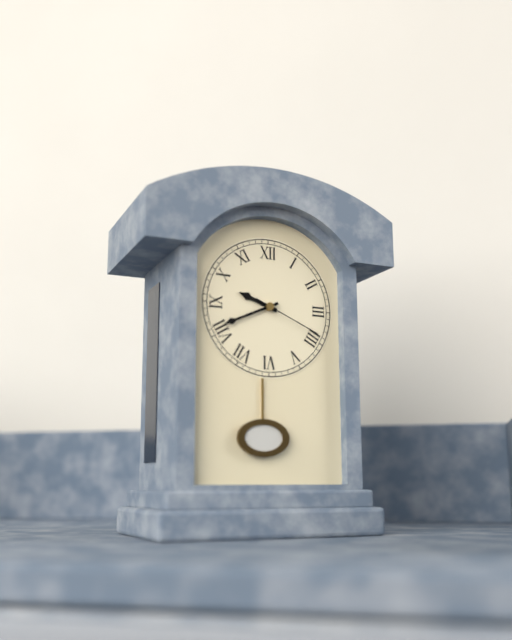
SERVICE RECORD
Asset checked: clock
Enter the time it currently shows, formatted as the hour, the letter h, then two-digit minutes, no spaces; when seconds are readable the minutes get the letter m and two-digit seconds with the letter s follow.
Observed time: 9h41m19s
